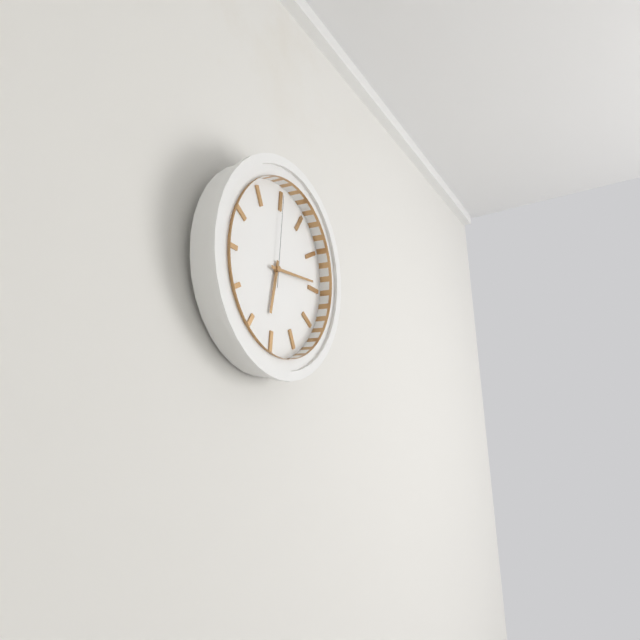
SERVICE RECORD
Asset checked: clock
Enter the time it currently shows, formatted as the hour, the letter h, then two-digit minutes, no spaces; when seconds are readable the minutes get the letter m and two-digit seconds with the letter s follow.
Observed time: 6h14m00s
